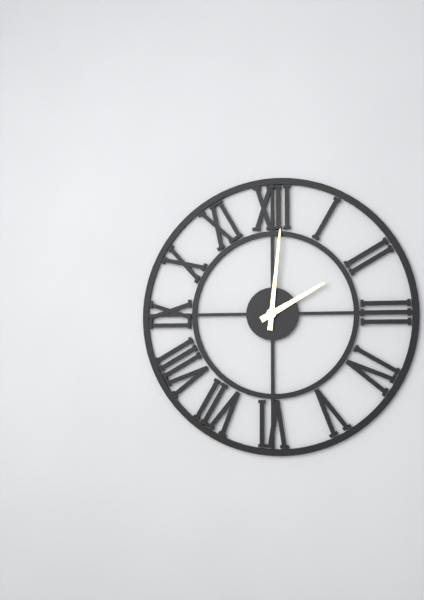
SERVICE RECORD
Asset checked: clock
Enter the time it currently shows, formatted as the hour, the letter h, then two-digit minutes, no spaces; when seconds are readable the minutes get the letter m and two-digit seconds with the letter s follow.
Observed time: 2h01
